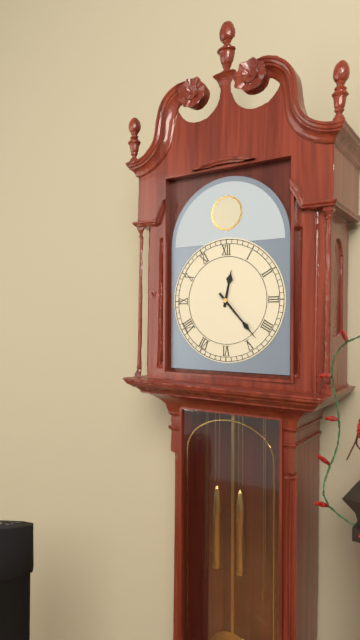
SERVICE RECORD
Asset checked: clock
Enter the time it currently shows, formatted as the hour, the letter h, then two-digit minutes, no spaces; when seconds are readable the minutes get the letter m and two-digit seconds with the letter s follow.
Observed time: 12h23
